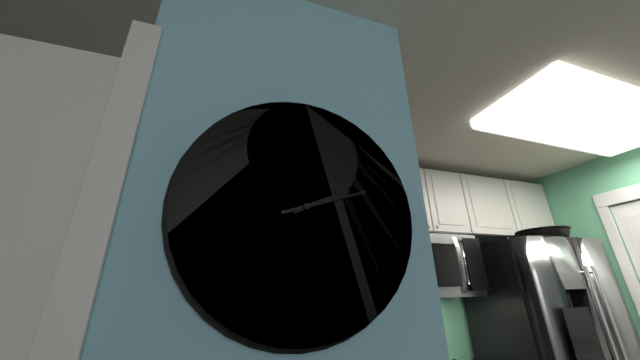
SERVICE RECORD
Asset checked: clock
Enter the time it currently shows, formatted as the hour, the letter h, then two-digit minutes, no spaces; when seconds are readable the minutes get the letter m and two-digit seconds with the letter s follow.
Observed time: 2h12
